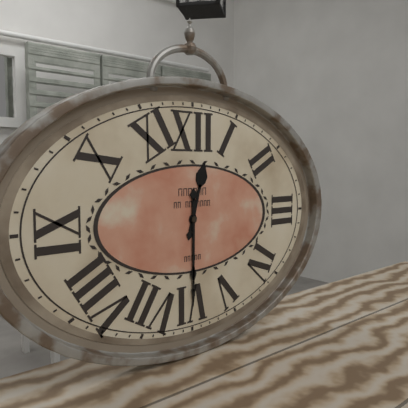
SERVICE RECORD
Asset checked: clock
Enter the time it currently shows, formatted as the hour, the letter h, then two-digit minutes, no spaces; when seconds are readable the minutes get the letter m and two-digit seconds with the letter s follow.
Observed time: 12h30
